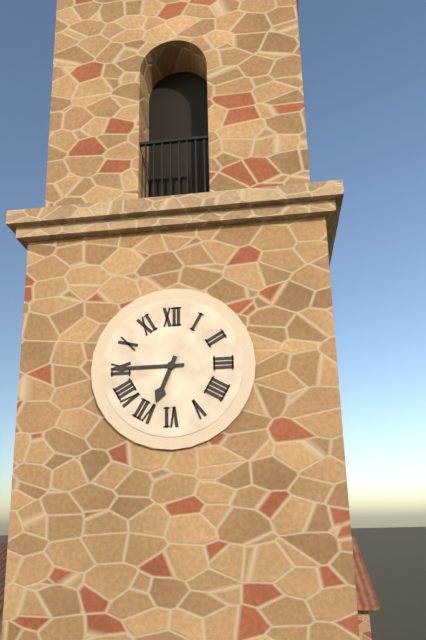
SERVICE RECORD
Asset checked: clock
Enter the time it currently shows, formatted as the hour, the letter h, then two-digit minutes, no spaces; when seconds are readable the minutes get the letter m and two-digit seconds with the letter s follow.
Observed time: 6h45
